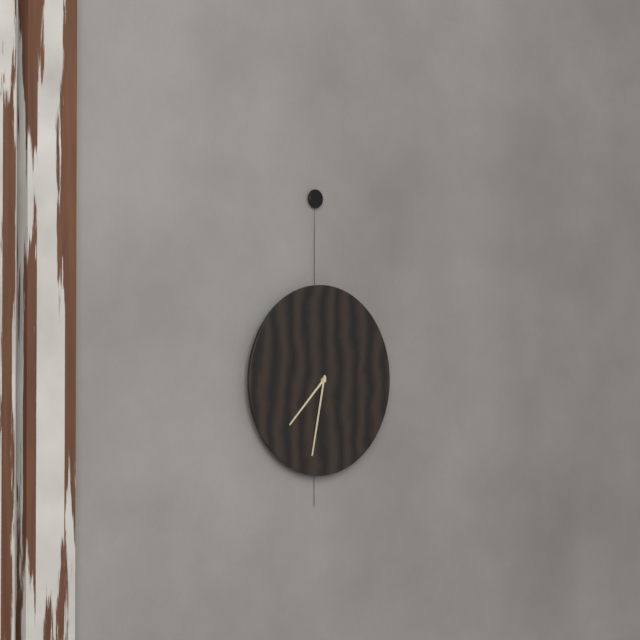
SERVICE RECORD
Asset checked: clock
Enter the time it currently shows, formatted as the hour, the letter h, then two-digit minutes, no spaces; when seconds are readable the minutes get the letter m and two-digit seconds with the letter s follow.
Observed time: 7h32
